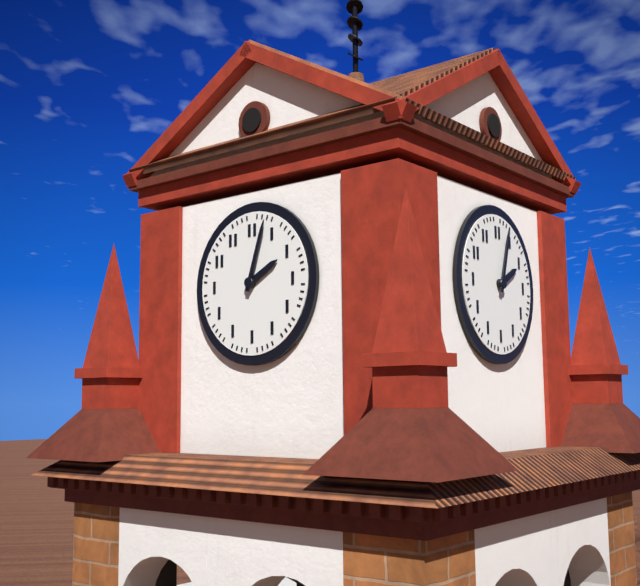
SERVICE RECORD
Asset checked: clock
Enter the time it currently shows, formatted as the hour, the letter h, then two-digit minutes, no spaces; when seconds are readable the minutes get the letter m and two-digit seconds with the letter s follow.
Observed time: 2h03
